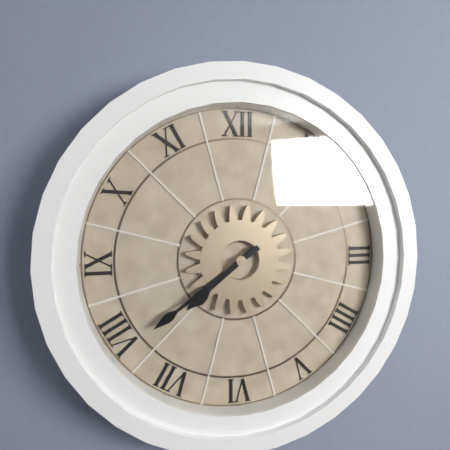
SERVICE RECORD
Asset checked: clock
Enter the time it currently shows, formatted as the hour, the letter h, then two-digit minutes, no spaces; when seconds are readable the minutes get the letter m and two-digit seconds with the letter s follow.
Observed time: 7h39
